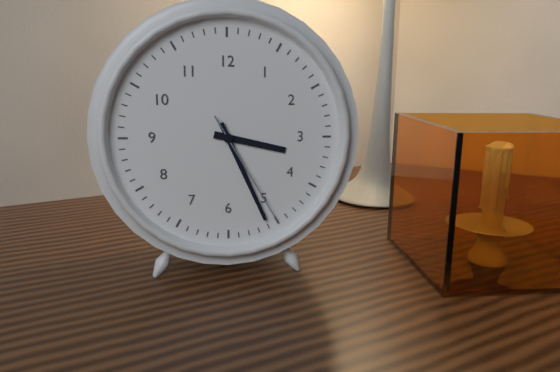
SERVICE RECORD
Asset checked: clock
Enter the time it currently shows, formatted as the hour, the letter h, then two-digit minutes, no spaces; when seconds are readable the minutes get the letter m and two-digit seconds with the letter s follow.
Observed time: 3h26m25s
